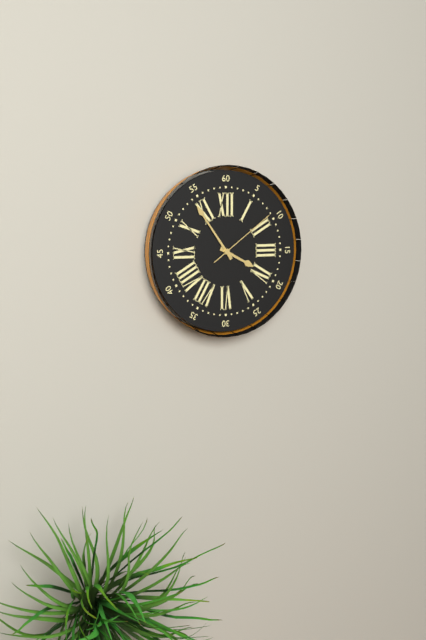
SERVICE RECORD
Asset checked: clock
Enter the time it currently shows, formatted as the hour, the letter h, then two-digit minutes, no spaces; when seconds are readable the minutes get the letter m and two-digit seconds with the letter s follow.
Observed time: 3h54m09s
